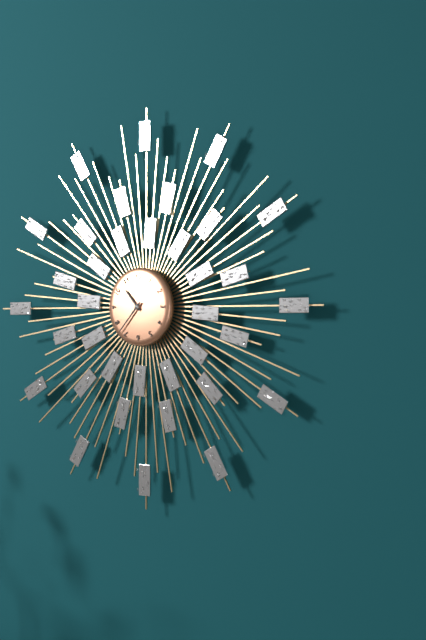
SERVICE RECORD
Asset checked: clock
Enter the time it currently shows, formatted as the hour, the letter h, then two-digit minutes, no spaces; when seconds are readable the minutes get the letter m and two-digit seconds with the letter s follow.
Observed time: 10h37
